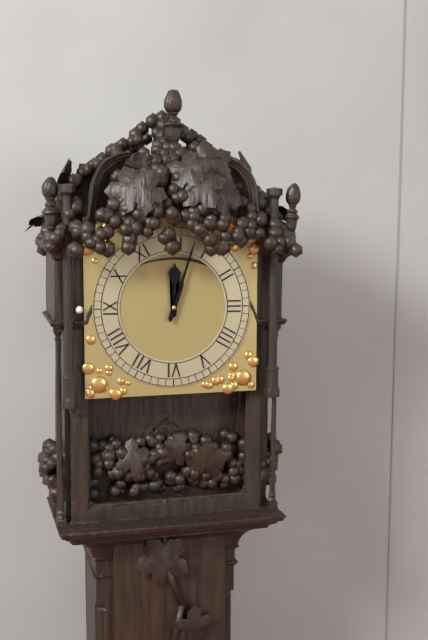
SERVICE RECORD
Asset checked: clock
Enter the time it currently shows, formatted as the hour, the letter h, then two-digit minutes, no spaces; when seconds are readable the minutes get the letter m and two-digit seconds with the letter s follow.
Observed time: 12h03
